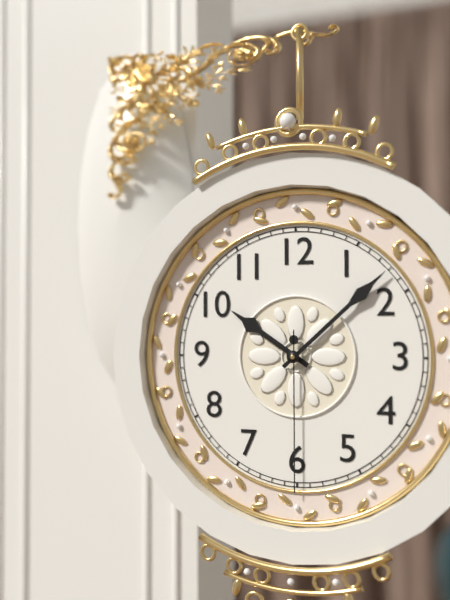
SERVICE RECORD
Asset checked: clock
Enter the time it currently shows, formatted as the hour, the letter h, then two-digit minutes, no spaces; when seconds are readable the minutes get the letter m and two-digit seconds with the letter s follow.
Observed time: 10h08m30s
